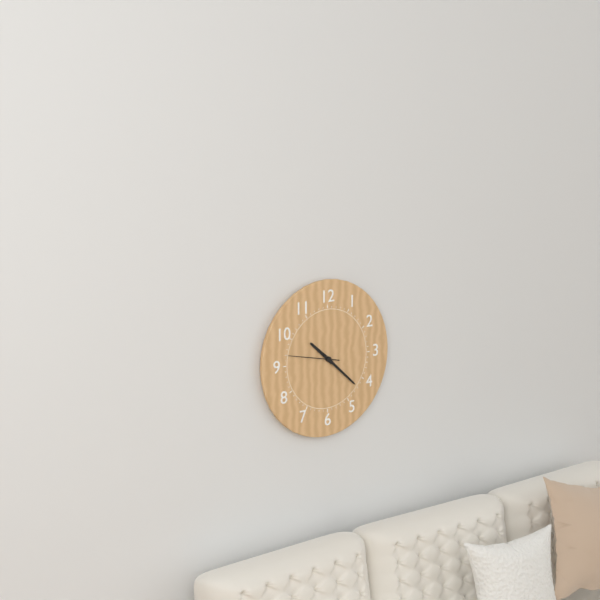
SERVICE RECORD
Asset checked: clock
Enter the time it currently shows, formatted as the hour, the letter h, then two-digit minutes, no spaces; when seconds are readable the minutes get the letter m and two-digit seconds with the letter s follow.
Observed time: 10h22m47s
